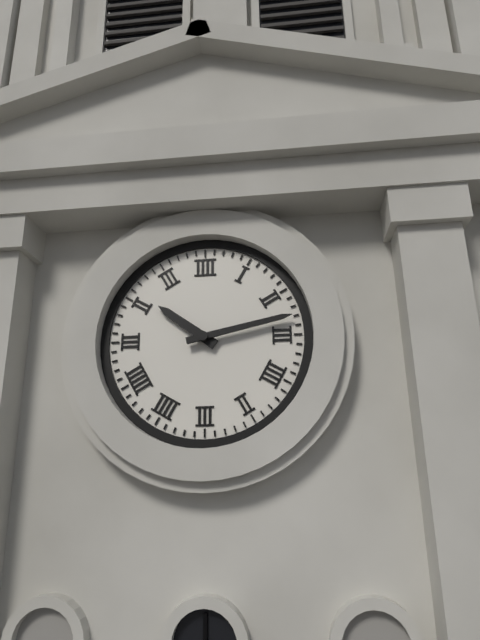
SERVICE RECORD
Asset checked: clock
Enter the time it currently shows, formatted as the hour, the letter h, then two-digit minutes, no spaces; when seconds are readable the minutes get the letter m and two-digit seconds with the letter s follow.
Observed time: 10h13
